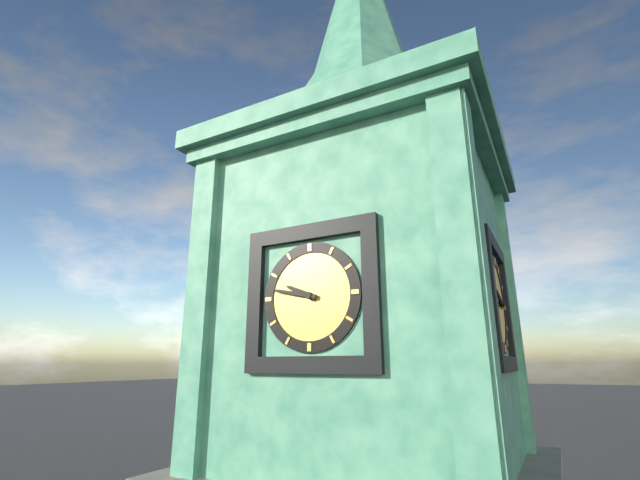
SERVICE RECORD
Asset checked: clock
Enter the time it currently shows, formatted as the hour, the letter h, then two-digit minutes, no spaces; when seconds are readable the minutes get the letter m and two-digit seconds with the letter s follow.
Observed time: 9h47
